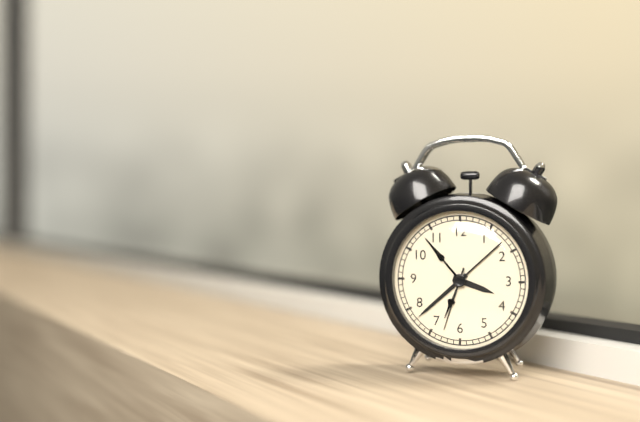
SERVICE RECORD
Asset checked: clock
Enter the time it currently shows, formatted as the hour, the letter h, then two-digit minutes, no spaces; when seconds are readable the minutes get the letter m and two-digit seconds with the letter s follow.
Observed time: 3h38m33s
